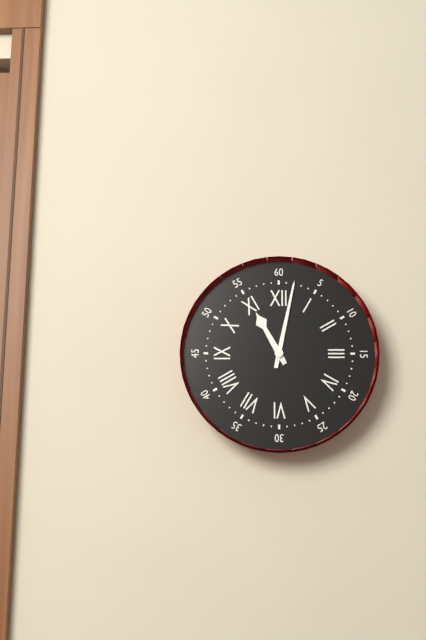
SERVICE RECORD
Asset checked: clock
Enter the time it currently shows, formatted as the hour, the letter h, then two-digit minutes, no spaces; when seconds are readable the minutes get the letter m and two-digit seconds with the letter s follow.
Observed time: 11h02
